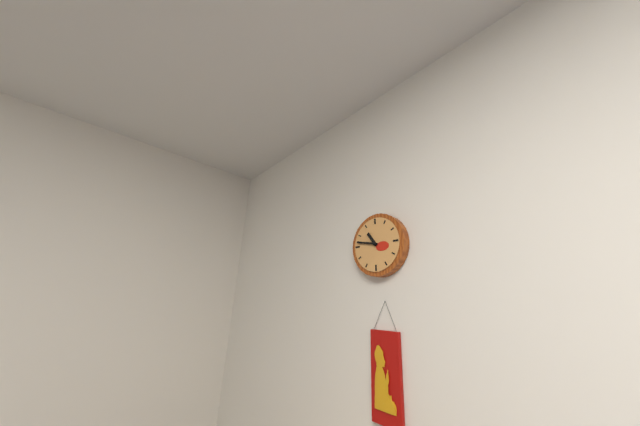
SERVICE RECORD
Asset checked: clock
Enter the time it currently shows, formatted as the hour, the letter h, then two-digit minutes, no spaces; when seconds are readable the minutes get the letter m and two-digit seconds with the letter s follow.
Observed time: 10h47
